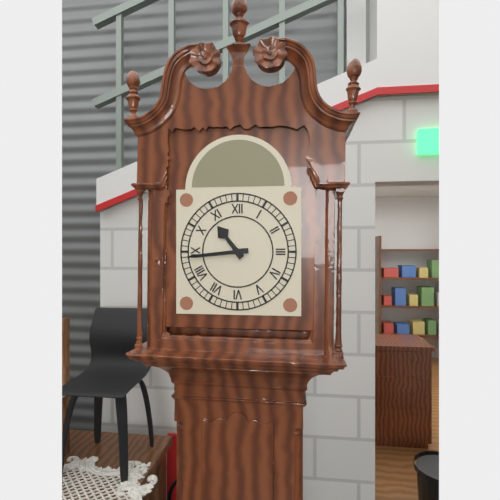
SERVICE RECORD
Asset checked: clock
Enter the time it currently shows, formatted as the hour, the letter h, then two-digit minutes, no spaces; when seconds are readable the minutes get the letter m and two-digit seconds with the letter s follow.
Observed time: 10h44
